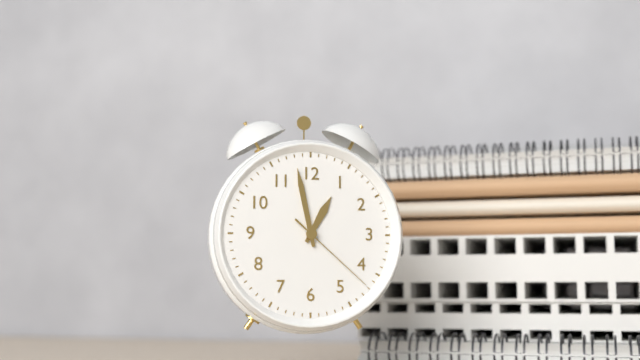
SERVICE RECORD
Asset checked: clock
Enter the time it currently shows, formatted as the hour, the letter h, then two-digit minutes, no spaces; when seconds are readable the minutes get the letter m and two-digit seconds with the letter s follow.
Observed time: 12h58m22s
